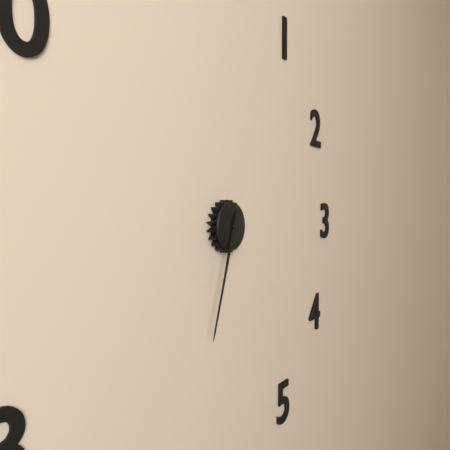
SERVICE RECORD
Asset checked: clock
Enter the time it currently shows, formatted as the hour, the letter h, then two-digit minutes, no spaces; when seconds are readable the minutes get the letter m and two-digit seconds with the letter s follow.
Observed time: 6h33
